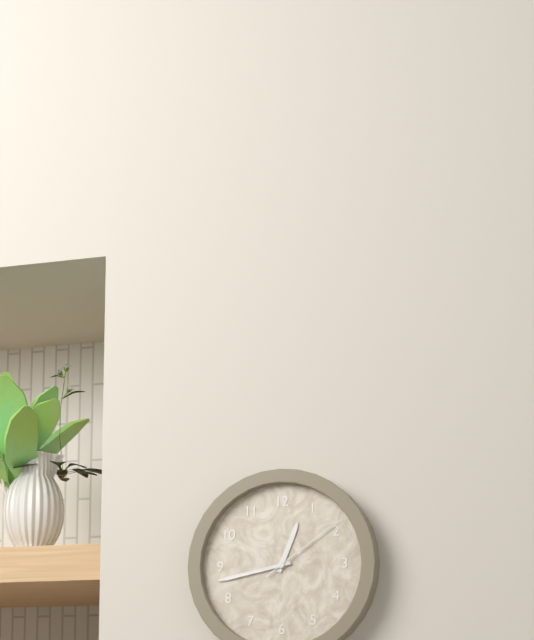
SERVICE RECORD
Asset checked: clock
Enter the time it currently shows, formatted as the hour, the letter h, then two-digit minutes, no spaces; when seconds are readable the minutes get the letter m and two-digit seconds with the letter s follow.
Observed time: 12h43m09s
